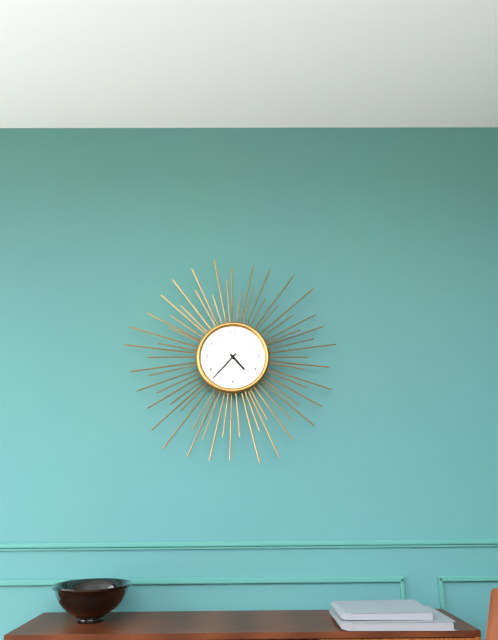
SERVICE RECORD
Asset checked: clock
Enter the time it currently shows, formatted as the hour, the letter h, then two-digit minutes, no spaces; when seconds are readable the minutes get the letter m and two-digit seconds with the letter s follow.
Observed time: 4h37
